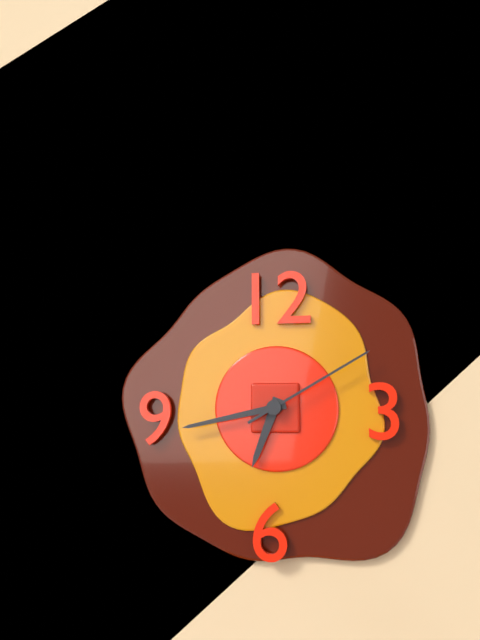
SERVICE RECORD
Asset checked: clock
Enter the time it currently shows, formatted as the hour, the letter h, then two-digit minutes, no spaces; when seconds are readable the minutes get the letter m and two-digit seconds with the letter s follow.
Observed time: 6h43m10s
